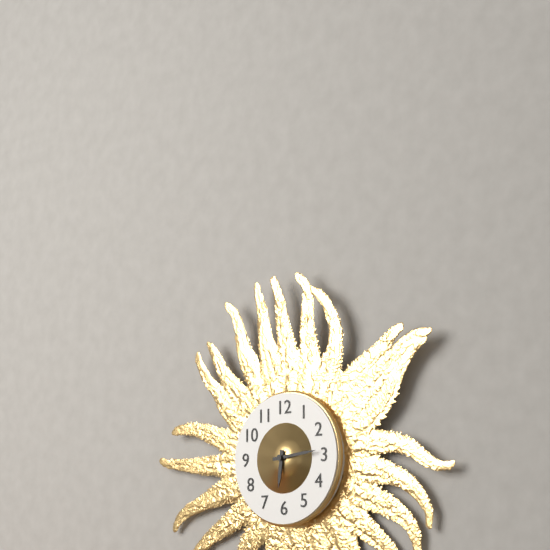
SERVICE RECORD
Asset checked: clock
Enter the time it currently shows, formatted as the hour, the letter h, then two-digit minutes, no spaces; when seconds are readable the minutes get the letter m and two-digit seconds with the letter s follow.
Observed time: 6h14
